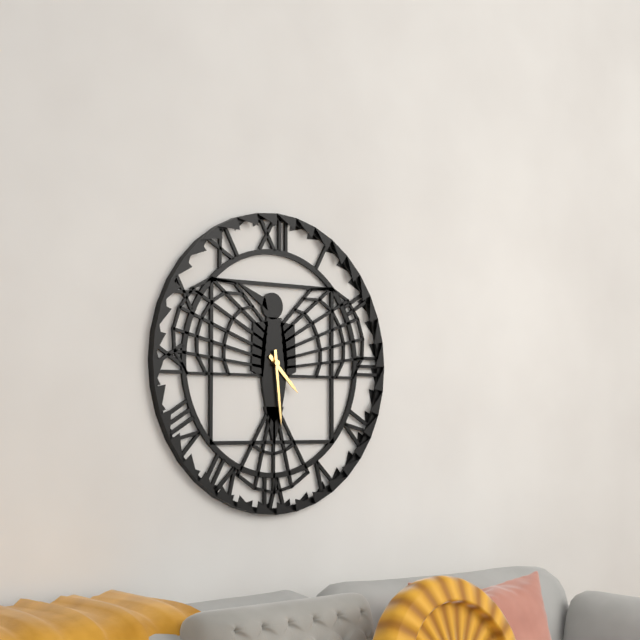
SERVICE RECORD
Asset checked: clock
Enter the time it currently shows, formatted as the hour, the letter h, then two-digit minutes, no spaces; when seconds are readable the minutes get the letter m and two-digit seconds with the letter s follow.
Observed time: 4h29
